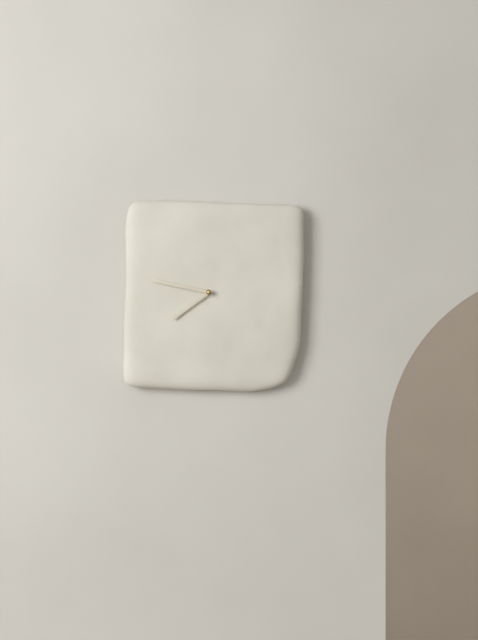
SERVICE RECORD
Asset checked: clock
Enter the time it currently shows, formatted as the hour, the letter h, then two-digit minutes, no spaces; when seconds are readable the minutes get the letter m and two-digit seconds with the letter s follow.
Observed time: 7h47
